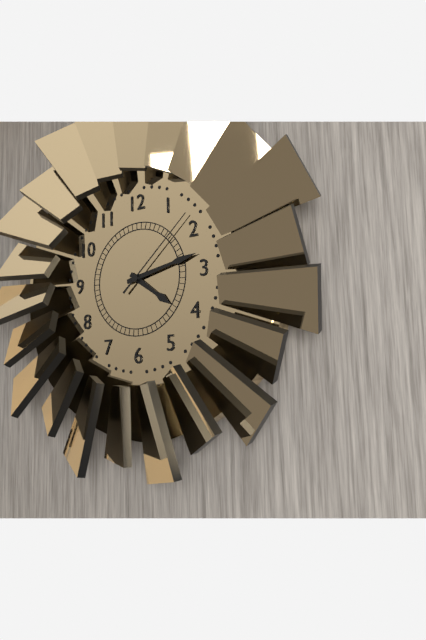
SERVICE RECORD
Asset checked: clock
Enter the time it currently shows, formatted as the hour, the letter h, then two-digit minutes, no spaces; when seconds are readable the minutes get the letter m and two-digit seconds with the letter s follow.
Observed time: 4h13m08s
